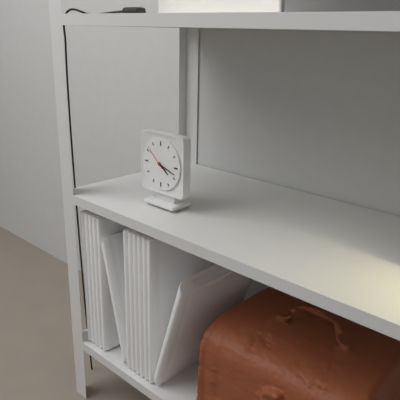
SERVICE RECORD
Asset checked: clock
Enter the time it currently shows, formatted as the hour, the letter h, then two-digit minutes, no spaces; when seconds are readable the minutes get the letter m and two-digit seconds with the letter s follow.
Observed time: 4h18
